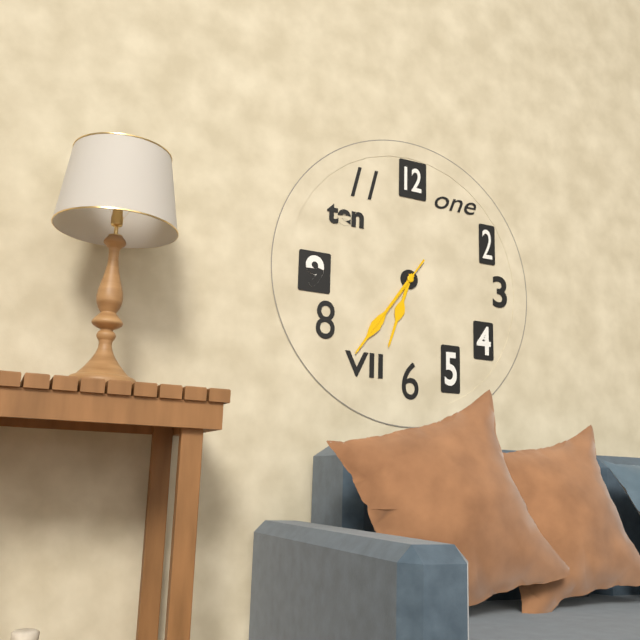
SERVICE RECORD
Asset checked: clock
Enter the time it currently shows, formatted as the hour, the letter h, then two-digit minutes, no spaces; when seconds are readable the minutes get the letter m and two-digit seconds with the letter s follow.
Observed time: 6h36m36s
